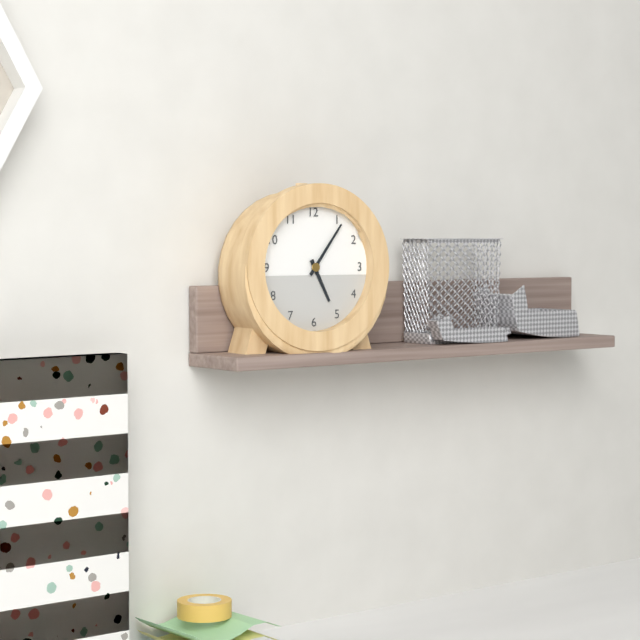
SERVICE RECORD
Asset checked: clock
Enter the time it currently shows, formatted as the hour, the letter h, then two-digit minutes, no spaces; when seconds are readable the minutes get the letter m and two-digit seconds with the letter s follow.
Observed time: 5h06
